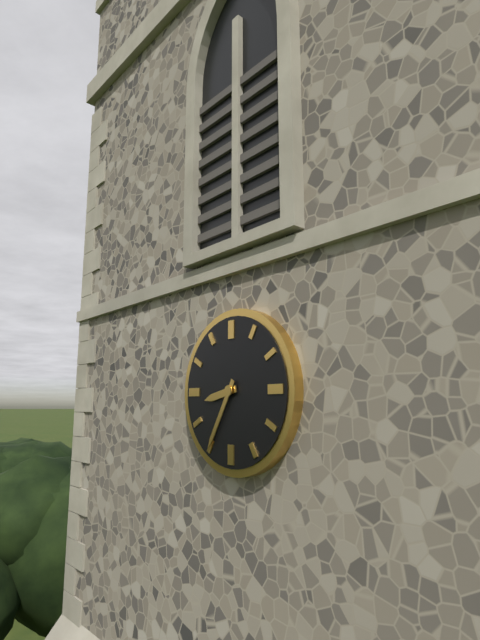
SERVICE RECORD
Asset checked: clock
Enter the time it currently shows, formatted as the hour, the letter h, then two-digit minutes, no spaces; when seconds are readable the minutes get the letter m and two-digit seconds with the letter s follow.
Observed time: 8h35
